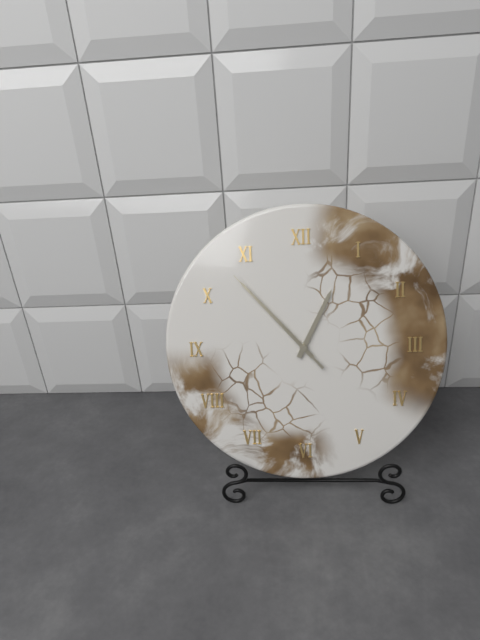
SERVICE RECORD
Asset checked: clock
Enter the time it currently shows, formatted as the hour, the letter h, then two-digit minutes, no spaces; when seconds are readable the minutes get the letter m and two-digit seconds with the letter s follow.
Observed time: 12h53m53s
